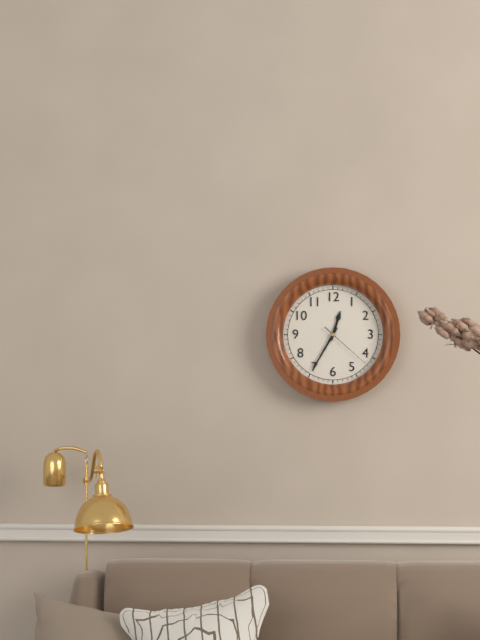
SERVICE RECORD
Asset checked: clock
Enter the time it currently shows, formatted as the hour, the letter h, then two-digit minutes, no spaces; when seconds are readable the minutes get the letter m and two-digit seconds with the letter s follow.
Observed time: 12h35m22s
